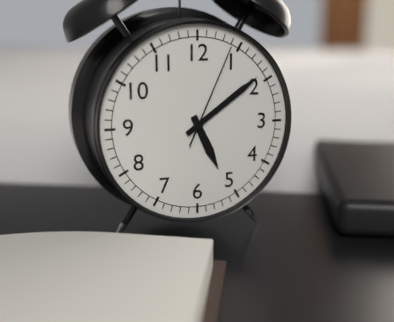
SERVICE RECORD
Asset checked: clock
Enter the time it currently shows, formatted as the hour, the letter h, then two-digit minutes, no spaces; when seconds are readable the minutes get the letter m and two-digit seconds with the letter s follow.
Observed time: 5h09m04s
